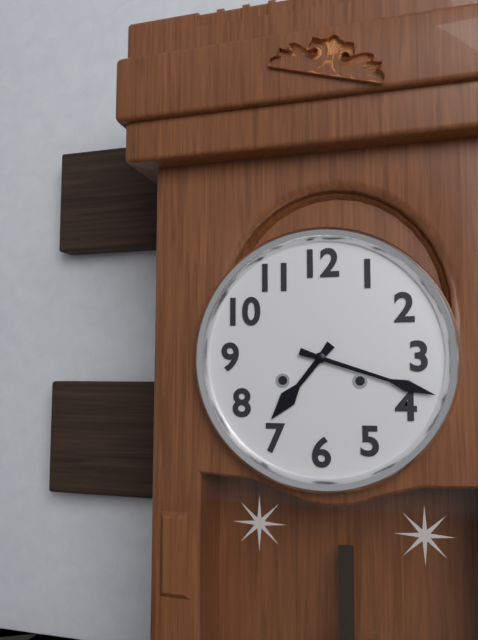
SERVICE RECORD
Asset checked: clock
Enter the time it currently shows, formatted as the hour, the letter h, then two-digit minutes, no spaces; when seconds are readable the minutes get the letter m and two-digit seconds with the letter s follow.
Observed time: 7h18
